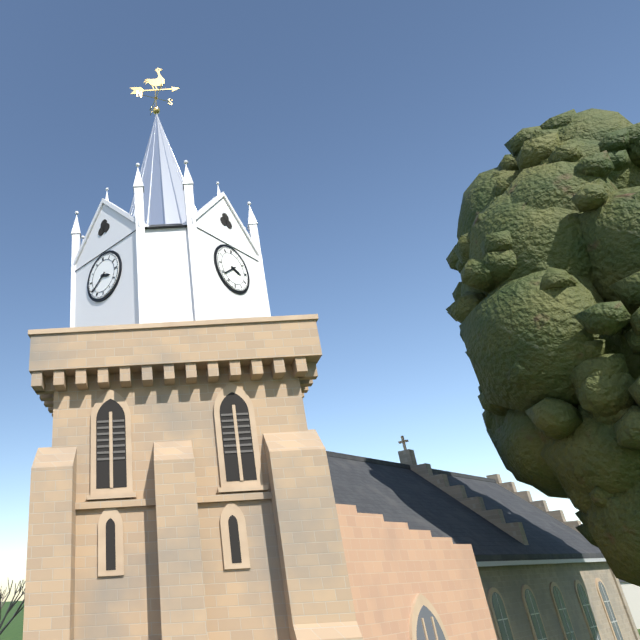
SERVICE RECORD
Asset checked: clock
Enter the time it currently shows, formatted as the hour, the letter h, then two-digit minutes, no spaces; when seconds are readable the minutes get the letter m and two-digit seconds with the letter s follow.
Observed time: 3h39
